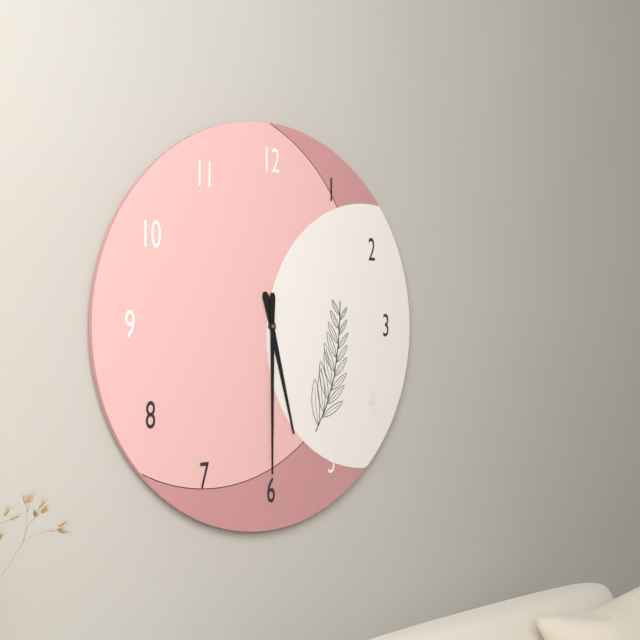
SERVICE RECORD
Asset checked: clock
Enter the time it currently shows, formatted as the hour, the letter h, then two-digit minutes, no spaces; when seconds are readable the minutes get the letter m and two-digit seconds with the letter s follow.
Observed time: 5h30
